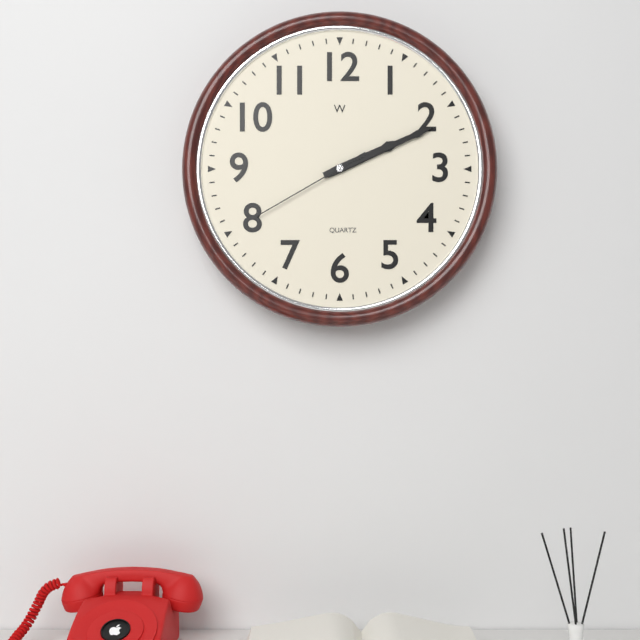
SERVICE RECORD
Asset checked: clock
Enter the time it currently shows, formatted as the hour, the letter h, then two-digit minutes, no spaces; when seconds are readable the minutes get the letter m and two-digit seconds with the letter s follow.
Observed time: 2h11m40s
